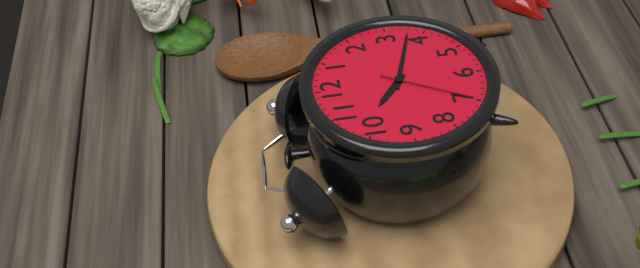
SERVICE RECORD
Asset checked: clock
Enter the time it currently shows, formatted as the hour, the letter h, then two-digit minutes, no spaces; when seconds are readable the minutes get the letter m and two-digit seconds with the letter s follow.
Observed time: 10h18m35s
